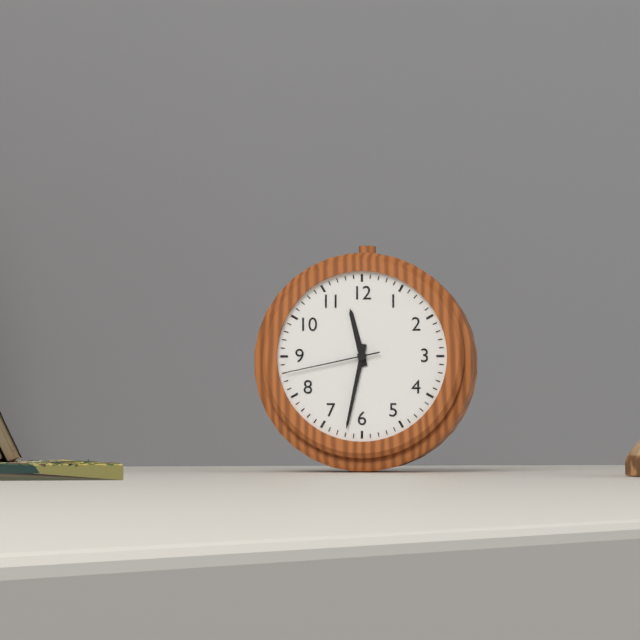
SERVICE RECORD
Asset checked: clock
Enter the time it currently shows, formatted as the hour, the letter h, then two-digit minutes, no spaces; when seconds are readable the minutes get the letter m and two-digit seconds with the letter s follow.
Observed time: 11h32m43s
